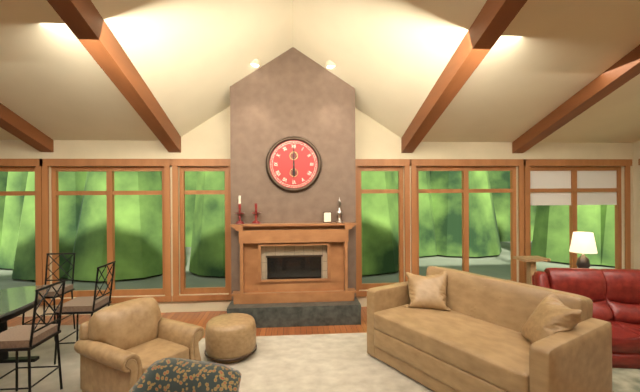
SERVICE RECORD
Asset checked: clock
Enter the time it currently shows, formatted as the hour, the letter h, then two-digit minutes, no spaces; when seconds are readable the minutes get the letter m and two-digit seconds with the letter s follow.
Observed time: 6h00
